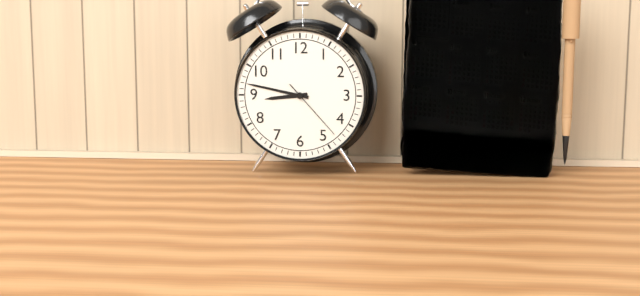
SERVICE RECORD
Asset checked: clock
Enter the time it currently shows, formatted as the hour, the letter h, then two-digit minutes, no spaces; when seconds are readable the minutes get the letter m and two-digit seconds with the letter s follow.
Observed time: 8h47m23s
